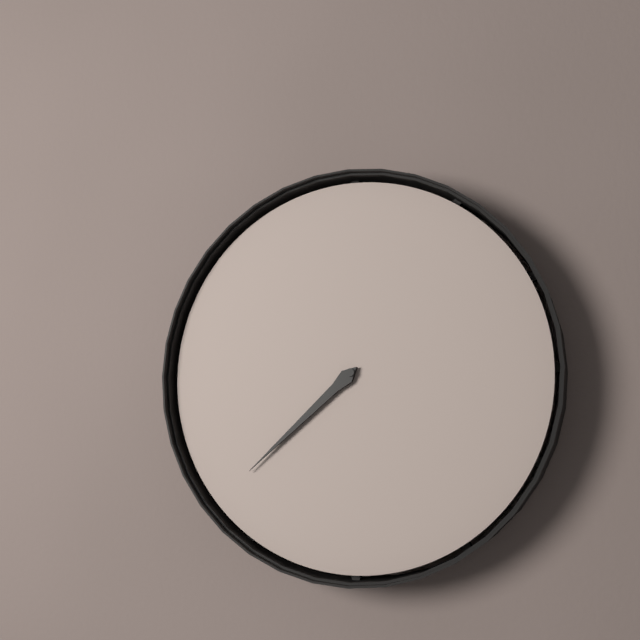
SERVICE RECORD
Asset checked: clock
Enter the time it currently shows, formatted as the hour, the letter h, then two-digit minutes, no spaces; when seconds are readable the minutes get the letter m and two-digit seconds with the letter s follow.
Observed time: 7h38
